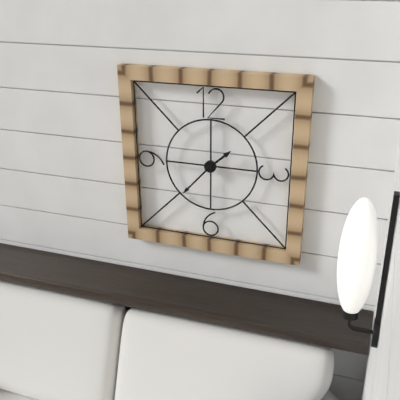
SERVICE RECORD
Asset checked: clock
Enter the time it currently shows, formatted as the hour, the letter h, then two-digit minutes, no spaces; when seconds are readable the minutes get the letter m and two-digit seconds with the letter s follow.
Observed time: 1h37
